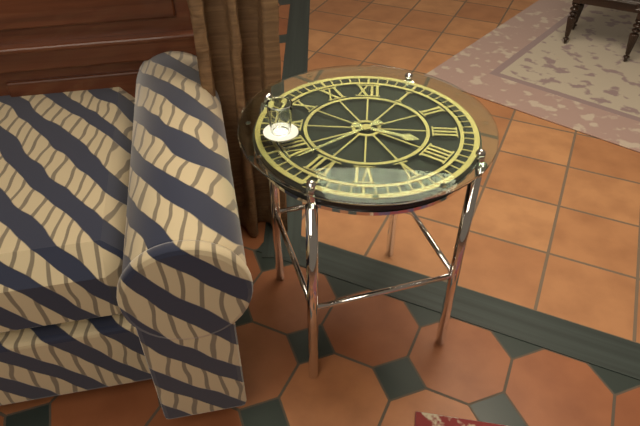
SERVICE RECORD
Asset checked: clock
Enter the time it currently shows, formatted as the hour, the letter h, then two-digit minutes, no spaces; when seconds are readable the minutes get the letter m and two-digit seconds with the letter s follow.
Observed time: 3h38
